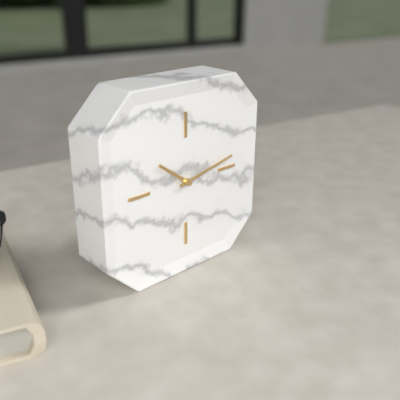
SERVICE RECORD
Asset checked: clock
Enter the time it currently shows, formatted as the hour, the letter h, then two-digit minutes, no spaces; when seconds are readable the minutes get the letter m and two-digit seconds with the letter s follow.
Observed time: 10h13
